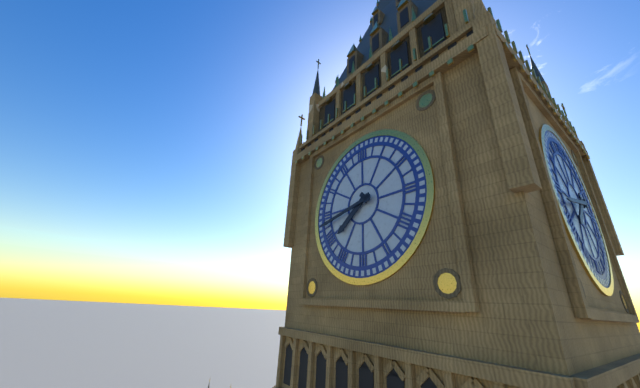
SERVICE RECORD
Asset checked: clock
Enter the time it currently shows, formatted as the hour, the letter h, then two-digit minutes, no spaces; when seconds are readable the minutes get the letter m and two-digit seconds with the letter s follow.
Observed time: 7h43
